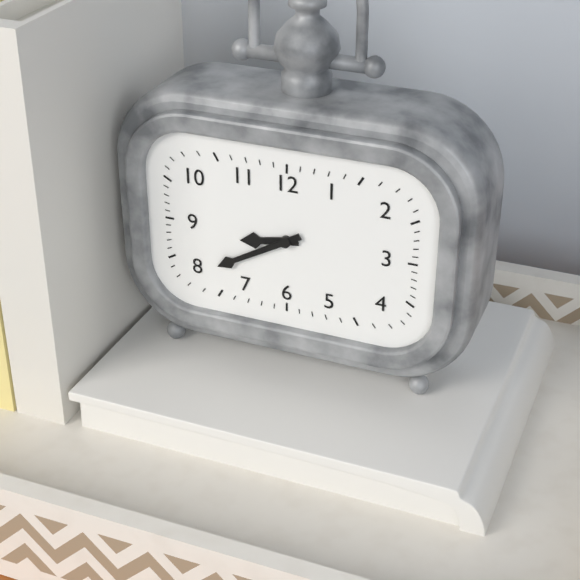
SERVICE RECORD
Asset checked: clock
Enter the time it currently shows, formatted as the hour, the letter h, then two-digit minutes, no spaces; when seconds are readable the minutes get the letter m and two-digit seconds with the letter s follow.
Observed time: 8h40
